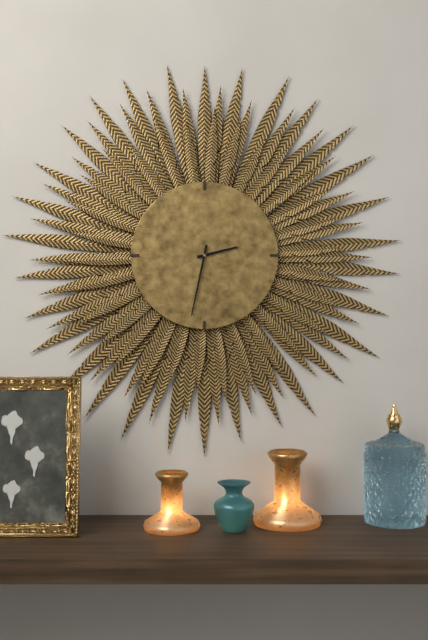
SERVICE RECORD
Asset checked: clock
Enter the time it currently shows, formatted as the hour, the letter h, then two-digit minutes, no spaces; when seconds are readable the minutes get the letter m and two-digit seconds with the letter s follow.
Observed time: 2h32
